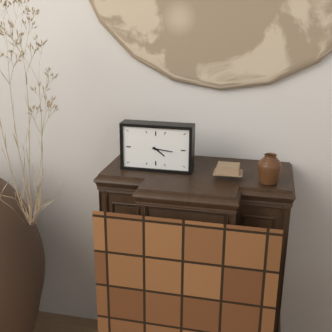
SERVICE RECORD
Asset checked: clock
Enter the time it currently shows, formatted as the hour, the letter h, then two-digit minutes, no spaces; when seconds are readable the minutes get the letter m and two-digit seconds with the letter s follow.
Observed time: 4h16
